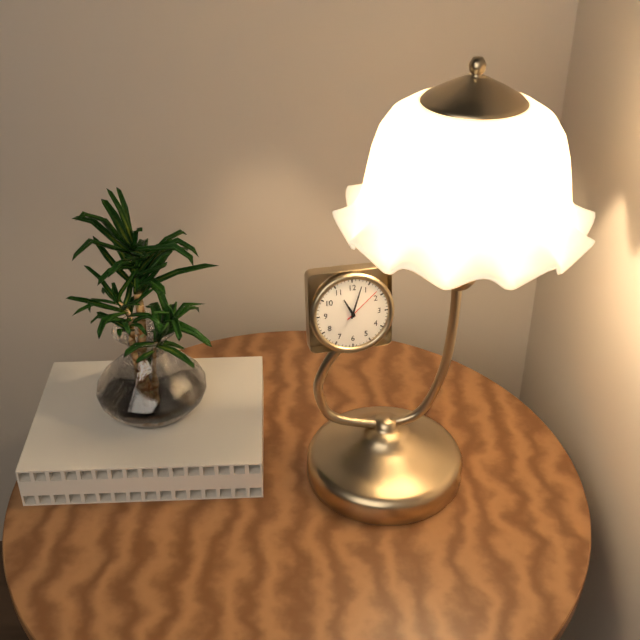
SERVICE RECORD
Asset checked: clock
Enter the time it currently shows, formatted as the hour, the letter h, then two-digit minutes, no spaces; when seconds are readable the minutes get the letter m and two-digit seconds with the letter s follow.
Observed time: 11h03
